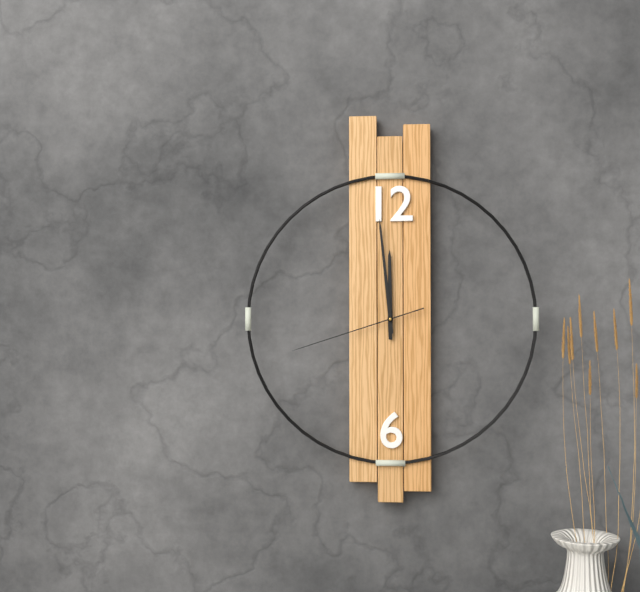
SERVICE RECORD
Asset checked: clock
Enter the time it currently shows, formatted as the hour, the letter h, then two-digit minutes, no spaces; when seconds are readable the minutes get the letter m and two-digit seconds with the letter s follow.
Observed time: 11h59m42s
